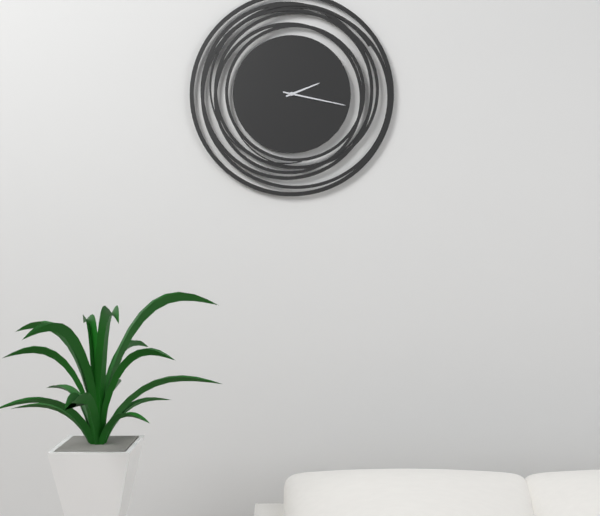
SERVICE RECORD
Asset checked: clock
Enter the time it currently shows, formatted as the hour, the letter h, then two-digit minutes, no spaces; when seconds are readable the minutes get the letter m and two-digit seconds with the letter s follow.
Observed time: 2h17
